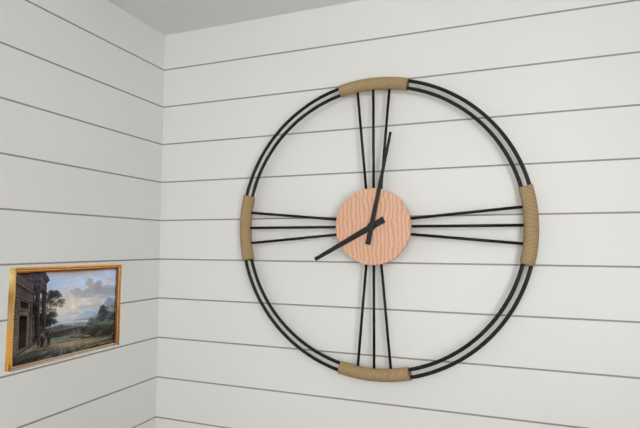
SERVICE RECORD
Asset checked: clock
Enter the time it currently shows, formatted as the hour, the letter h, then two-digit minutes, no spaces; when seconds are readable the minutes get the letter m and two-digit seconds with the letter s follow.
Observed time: 8h02
